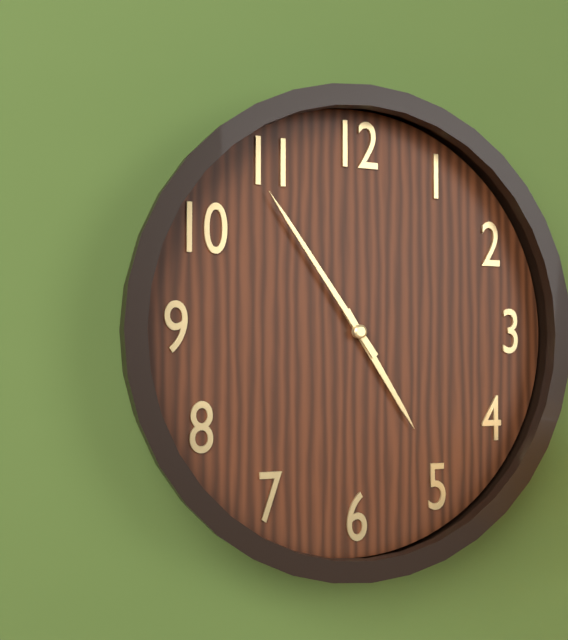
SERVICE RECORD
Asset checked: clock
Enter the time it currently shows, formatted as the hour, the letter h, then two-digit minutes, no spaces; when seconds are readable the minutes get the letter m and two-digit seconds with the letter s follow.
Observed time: 4h54
